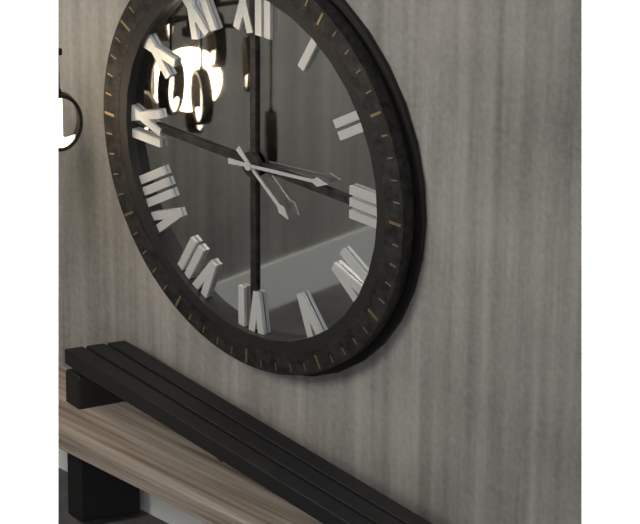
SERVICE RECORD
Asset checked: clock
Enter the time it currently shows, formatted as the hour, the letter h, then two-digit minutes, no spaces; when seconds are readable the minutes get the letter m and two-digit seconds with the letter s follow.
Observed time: 4h14
